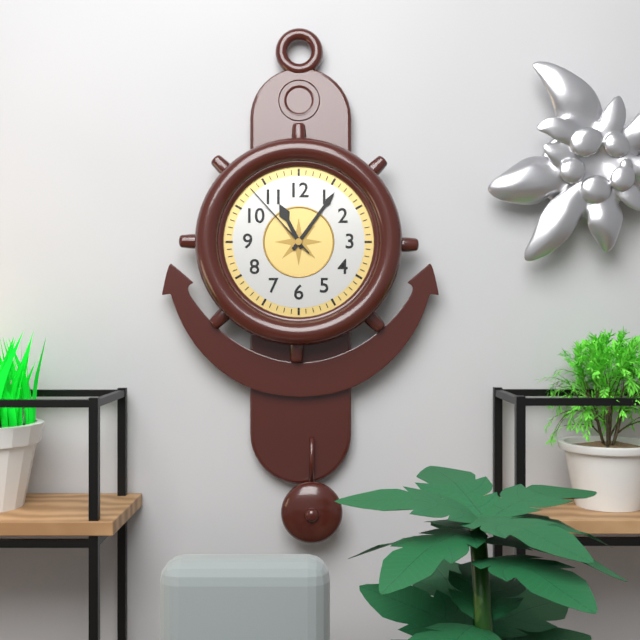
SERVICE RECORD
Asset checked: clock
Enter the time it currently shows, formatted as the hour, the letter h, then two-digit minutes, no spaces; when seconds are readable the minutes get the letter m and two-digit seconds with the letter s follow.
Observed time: 11h06m53s
